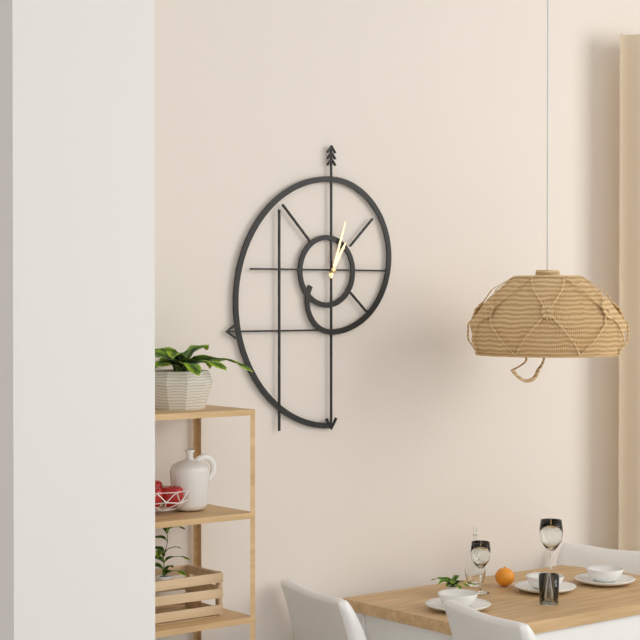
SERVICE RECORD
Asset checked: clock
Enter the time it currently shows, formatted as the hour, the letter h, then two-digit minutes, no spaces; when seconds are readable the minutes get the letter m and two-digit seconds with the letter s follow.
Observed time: 1h03
